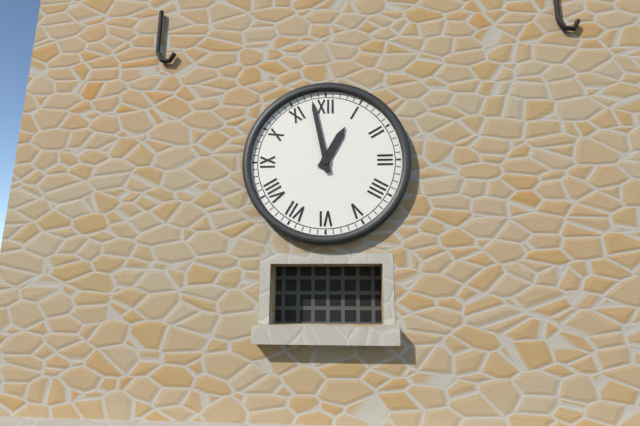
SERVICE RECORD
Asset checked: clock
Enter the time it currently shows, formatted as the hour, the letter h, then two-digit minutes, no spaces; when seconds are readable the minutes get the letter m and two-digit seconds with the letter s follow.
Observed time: 12h58
